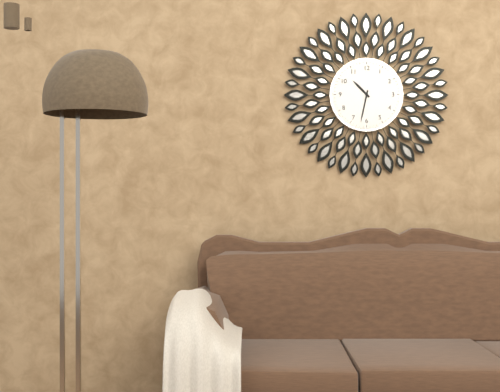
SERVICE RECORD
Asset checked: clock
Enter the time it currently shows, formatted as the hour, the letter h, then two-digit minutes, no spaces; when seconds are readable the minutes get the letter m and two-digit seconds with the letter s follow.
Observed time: 10h32
